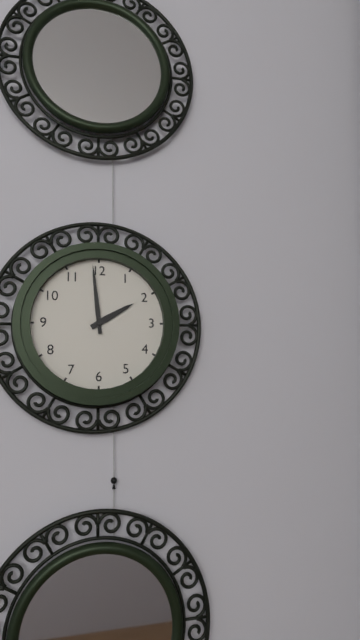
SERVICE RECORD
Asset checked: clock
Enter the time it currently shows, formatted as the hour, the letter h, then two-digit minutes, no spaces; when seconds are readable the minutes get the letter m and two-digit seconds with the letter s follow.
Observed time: 1h59
